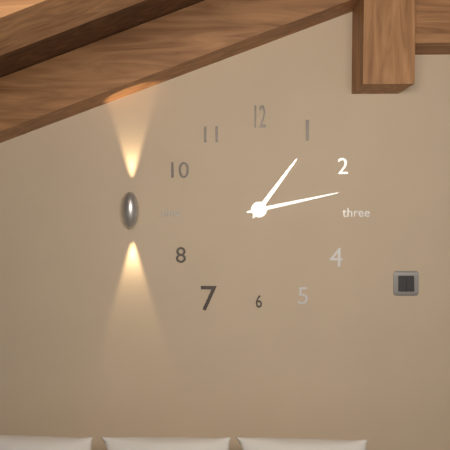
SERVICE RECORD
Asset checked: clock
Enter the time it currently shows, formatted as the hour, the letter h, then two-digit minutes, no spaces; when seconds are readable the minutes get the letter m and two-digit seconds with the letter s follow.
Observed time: 1h13
